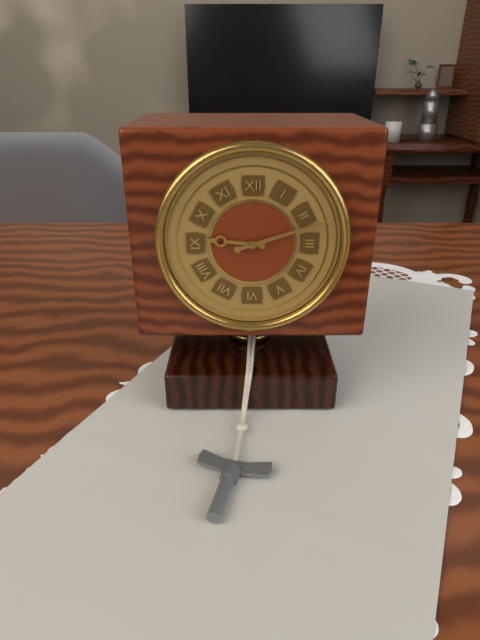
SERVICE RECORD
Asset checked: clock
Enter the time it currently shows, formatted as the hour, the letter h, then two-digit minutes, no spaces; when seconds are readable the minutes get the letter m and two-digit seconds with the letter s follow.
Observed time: 9h12
